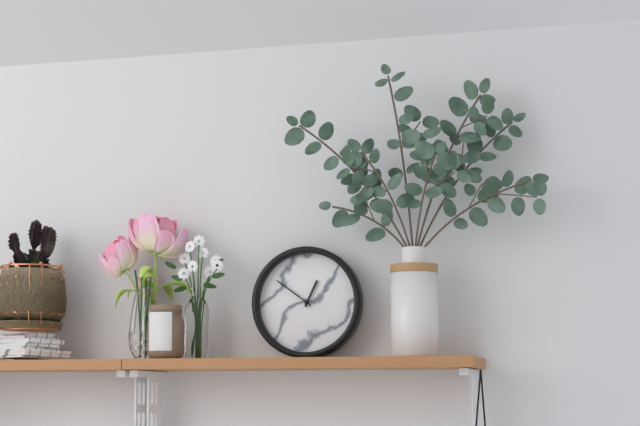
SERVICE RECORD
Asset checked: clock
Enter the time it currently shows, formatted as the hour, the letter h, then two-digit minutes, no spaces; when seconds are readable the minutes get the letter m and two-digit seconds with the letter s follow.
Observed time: 12h51
